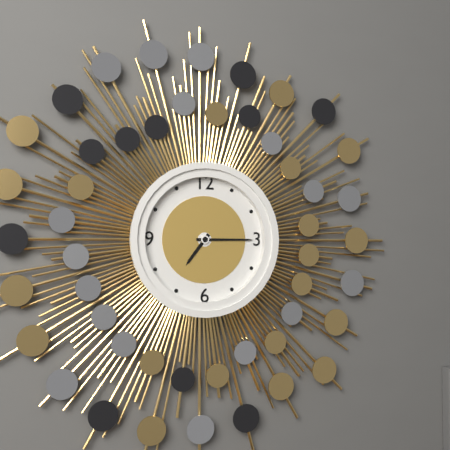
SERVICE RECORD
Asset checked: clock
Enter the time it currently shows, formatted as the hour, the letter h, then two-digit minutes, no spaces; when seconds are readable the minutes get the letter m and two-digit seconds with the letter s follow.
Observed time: 7h15
